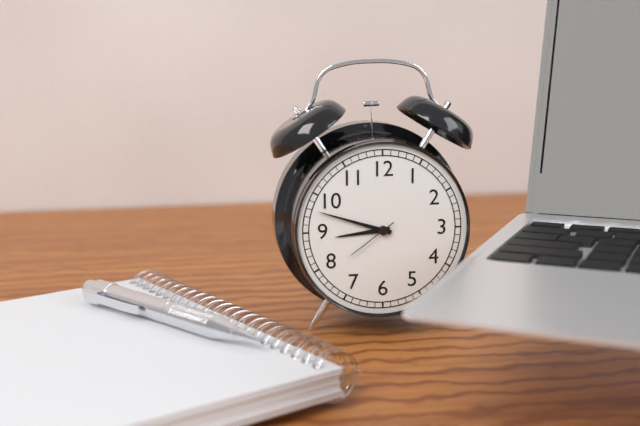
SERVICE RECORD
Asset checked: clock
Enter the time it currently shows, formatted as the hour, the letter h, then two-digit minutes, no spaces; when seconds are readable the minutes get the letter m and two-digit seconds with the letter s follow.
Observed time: 8h48m39s
